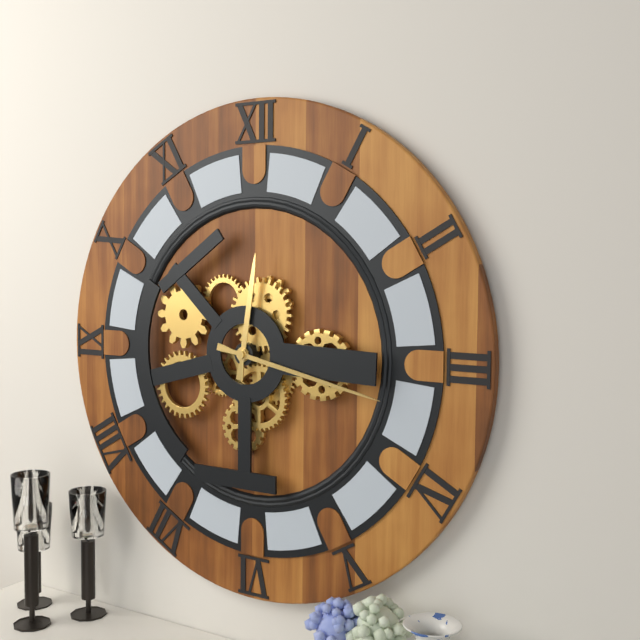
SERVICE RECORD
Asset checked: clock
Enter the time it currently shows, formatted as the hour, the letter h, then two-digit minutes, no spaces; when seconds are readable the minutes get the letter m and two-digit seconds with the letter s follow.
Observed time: 12h17
